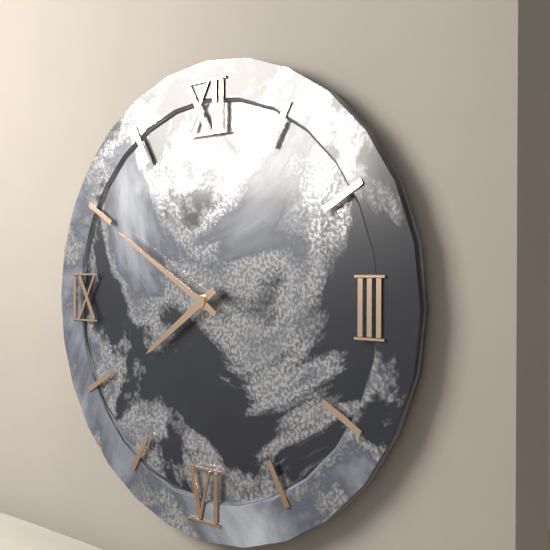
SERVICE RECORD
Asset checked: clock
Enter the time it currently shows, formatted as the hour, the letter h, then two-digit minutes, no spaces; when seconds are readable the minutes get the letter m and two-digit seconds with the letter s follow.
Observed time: 7h50
